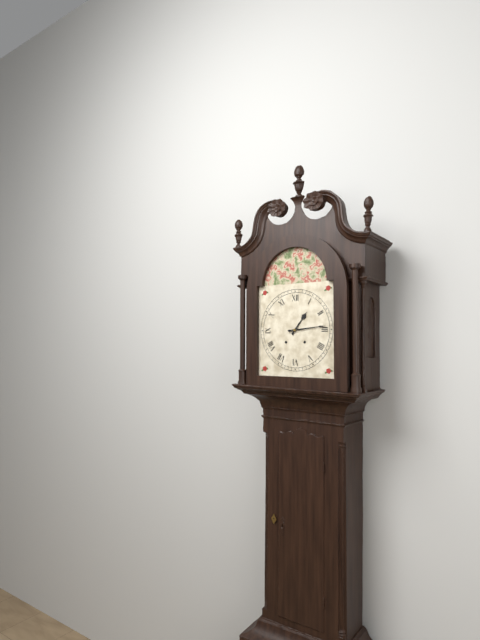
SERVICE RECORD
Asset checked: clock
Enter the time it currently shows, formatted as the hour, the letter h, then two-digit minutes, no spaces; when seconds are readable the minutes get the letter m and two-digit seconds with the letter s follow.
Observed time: 1h14
